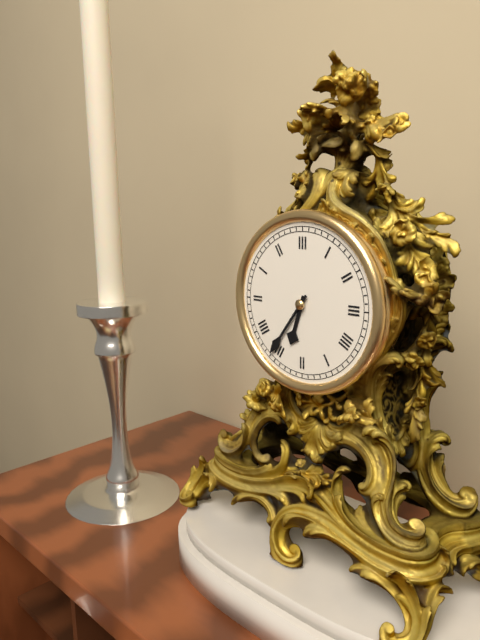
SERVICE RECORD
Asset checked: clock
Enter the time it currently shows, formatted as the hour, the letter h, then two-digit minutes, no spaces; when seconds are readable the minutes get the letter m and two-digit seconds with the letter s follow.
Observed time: 6h36
